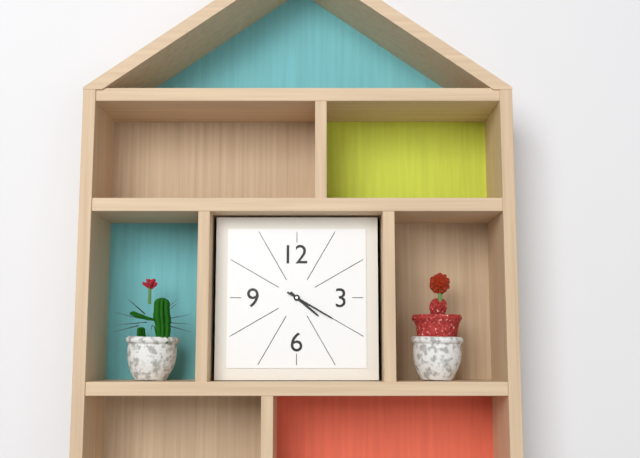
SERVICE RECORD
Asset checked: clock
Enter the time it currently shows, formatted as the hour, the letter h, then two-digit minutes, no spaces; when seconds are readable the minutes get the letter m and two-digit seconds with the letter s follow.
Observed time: 4h20
